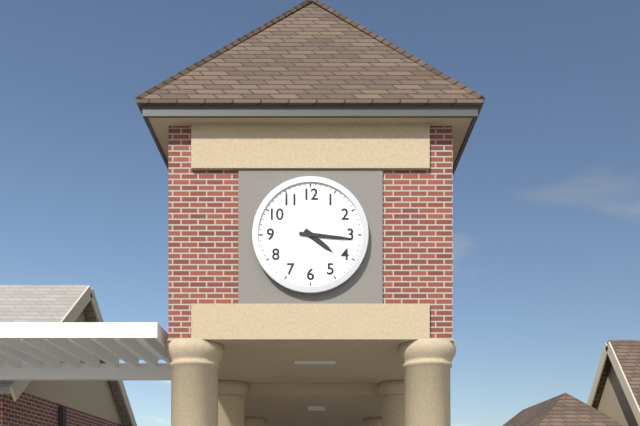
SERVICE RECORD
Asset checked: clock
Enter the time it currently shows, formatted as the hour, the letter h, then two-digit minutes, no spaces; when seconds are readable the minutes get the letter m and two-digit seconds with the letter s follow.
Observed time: 4h16
